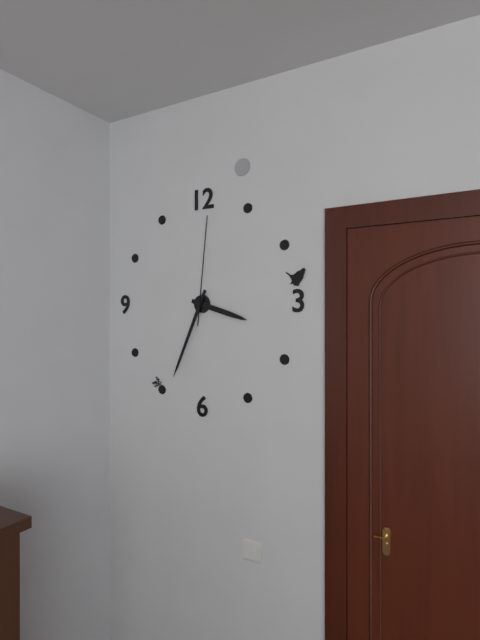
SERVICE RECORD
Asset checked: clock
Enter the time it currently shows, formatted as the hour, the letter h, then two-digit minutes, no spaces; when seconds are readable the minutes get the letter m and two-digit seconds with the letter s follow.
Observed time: 3h34m01s
